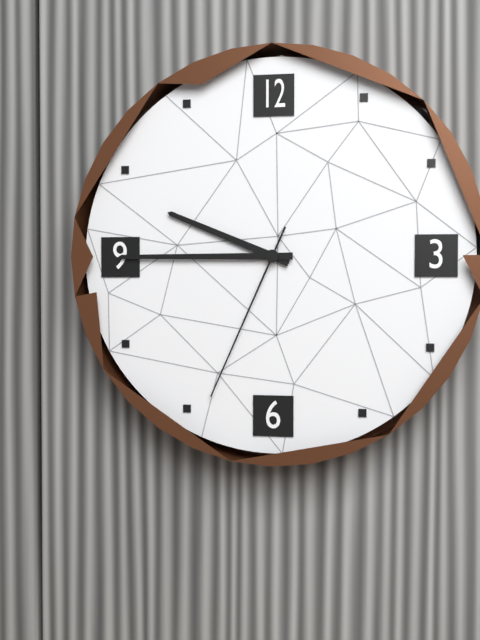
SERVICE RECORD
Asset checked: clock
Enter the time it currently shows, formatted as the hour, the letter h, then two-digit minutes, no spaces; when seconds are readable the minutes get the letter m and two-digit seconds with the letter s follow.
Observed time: 9h45m34s
